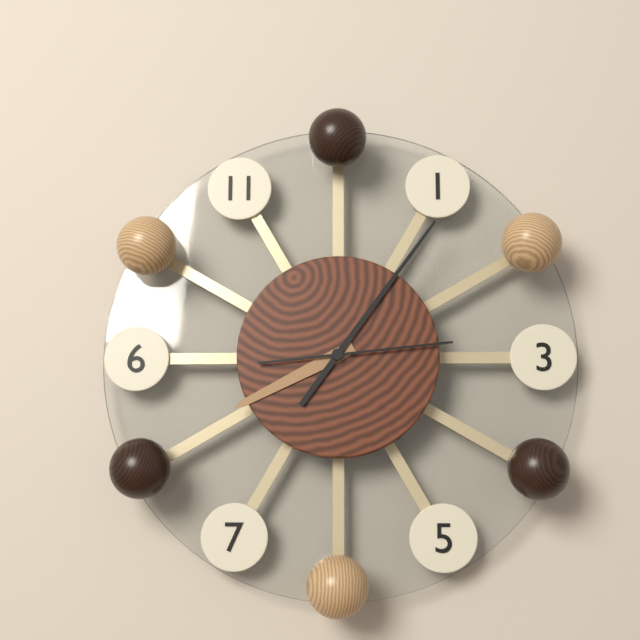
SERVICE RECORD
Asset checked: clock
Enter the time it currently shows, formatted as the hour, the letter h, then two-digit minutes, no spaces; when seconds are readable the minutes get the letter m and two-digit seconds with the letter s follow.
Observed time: 8h06m14s
